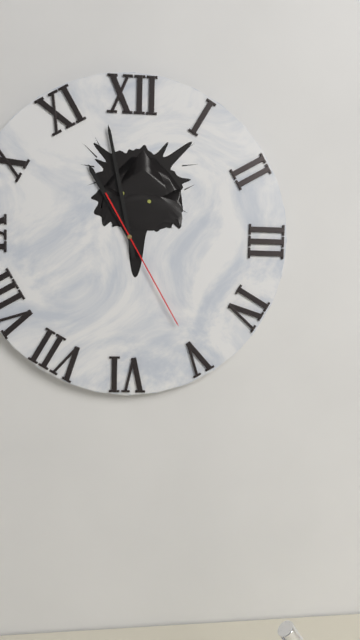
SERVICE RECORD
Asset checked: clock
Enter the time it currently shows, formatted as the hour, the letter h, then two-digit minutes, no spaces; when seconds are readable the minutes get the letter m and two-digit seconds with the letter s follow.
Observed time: 10h58m25s
